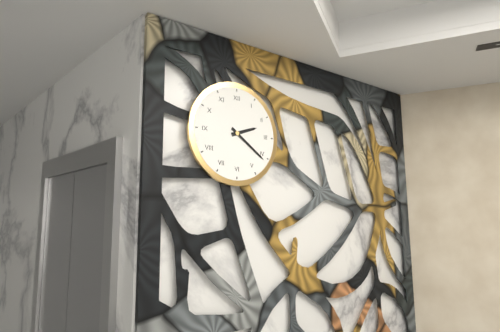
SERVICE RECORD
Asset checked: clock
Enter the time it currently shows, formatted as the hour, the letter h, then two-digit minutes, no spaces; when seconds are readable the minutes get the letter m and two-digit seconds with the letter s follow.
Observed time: 2h21
